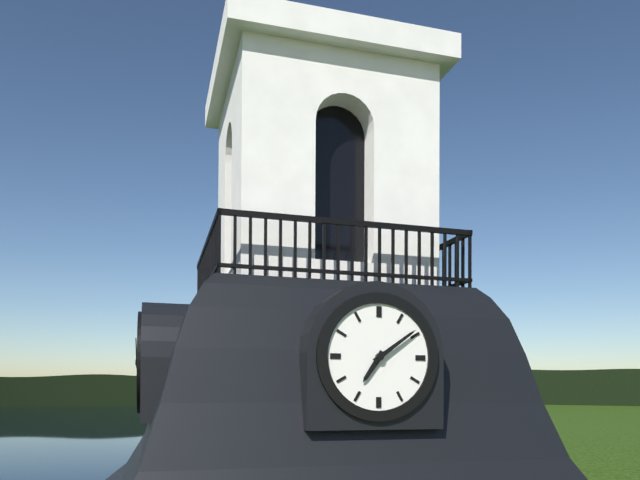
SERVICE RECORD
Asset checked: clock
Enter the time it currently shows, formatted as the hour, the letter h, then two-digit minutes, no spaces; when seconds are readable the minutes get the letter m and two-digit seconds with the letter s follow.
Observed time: 7h09
